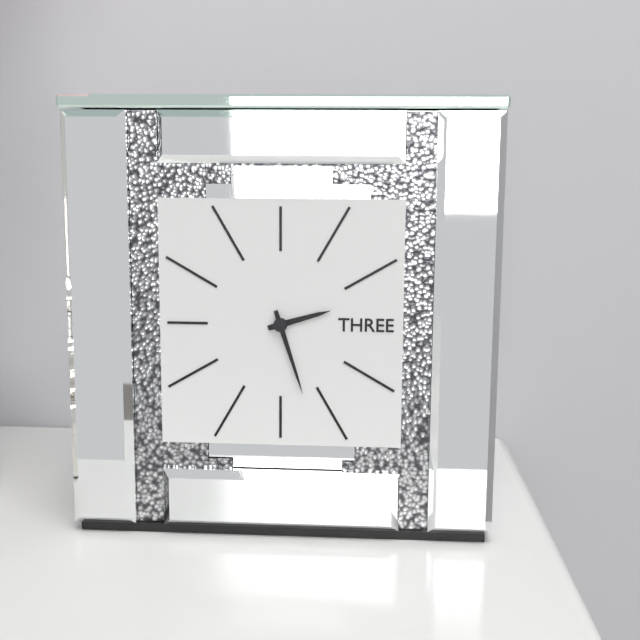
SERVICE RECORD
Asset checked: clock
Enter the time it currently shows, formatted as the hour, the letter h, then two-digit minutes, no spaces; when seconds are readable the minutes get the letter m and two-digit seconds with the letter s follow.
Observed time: 2h27
